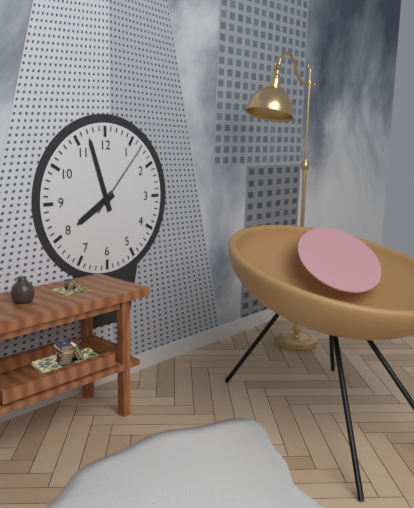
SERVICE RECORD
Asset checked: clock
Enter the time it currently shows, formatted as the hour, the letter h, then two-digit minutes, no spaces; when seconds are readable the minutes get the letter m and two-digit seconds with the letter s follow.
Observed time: 7h57m07s
